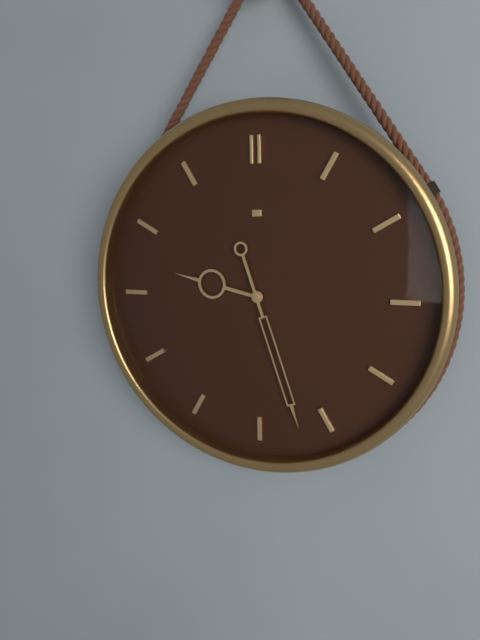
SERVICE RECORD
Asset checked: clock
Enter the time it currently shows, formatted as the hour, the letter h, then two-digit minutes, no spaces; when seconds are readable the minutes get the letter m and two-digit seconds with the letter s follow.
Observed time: 9h27
